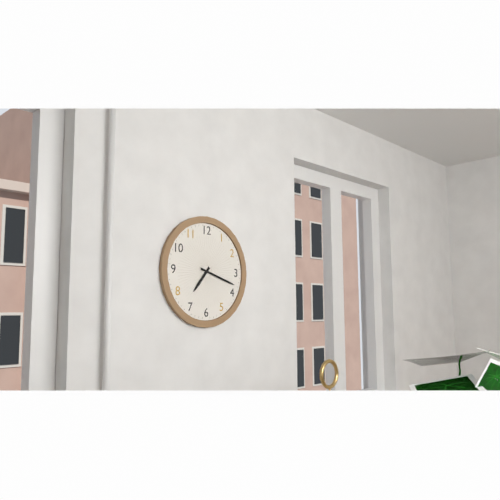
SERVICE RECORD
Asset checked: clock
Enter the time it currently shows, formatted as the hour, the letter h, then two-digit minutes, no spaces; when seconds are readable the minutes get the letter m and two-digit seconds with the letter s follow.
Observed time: 7h18
